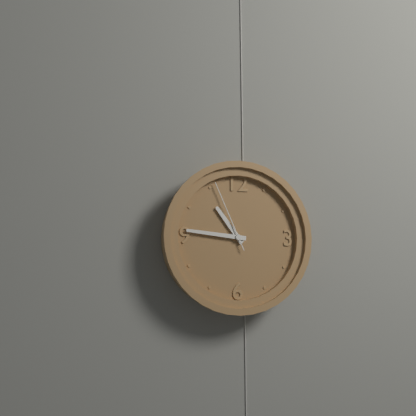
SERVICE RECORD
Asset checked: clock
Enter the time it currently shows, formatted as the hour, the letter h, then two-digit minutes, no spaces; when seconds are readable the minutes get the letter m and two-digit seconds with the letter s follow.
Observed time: 10h46m56s
